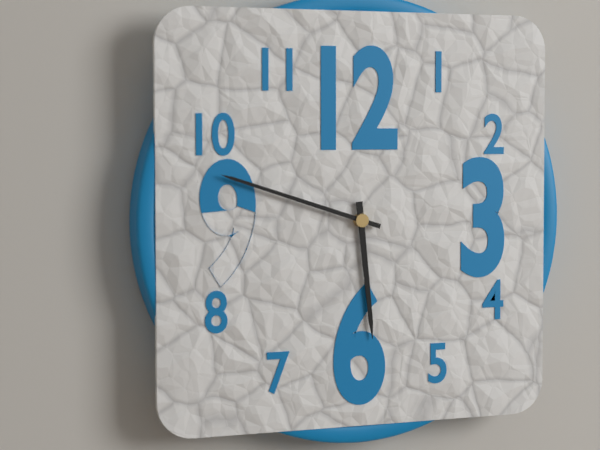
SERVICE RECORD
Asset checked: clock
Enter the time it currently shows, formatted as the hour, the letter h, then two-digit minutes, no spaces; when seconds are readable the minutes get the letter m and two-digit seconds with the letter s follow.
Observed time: 5h48
